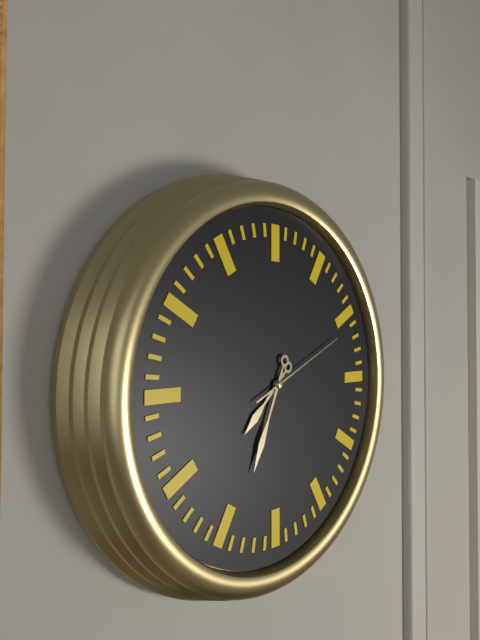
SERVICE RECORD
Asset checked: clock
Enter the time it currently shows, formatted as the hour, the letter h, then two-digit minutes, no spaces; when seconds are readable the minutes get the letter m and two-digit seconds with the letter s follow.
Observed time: 7h34m11s
